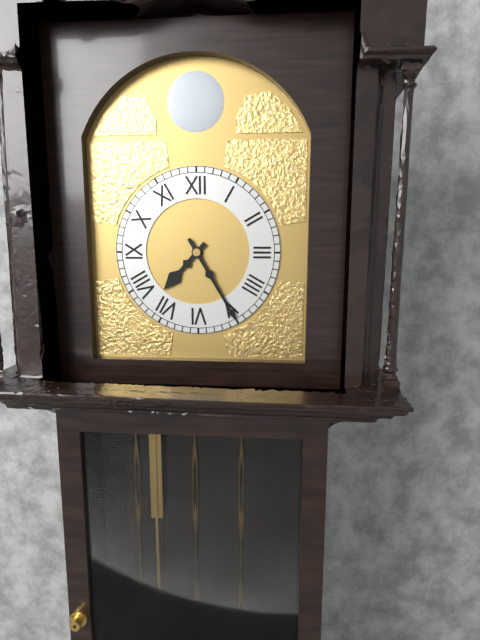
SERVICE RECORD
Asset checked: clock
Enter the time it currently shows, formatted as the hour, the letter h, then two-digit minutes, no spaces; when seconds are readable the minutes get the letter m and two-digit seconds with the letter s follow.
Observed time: 7h25
